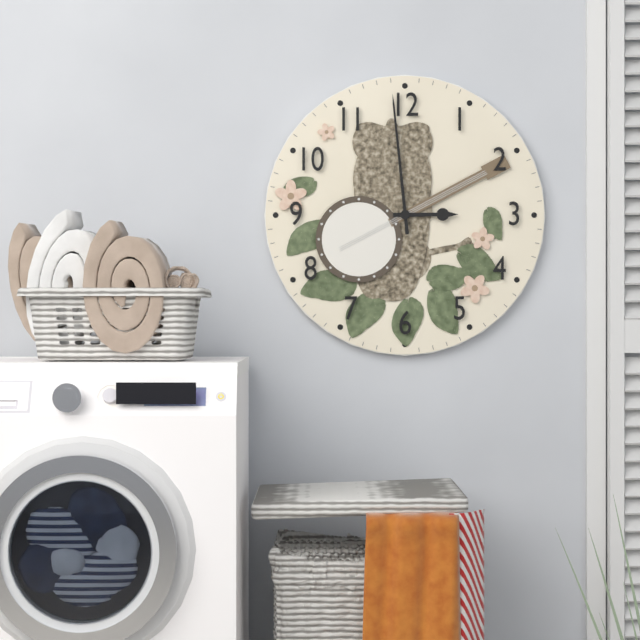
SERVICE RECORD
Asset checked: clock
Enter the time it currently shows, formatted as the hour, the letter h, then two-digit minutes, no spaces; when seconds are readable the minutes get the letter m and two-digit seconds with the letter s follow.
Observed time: 2h59
